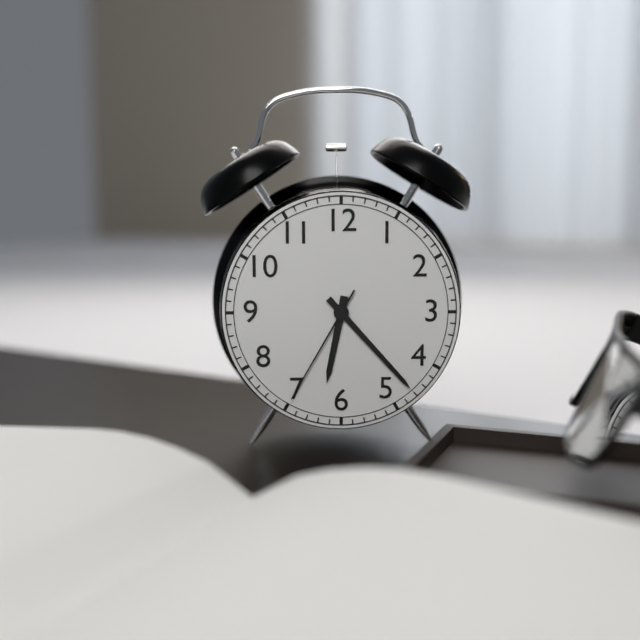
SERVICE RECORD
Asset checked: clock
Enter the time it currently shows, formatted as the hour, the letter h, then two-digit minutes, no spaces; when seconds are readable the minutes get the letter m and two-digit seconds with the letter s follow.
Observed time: 6h23m35s
